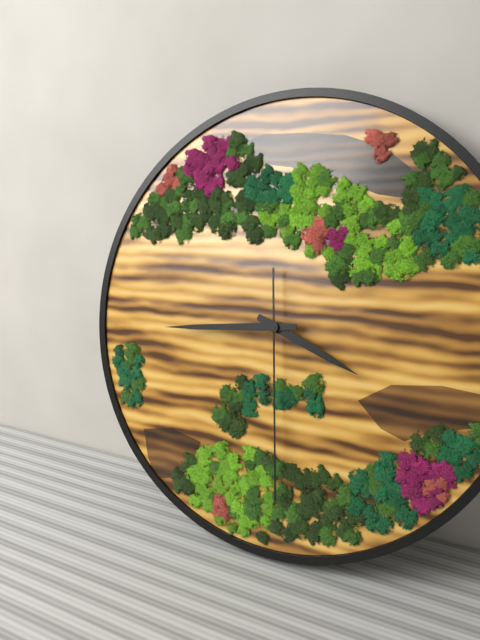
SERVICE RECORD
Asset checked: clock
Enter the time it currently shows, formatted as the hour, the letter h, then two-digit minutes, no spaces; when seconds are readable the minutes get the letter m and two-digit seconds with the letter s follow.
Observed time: 3h44m29s
